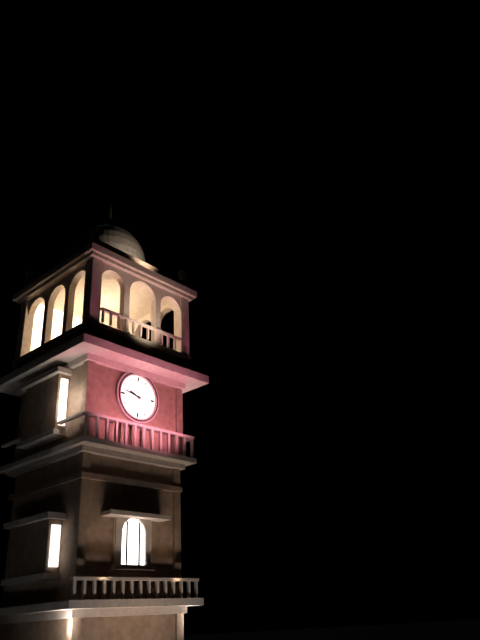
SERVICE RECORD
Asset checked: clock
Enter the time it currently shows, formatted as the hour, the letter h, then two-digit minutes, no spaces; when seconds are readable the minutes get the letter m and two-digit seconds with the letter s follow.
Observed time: 9h47
